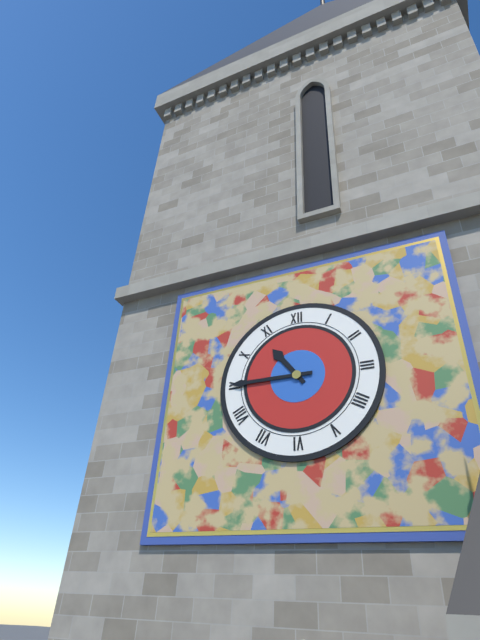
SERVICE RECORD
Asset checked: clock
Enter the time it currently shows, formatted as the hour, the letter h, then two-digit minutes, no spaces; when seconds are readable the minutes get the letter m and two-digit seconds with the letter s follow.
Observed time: 10h45
